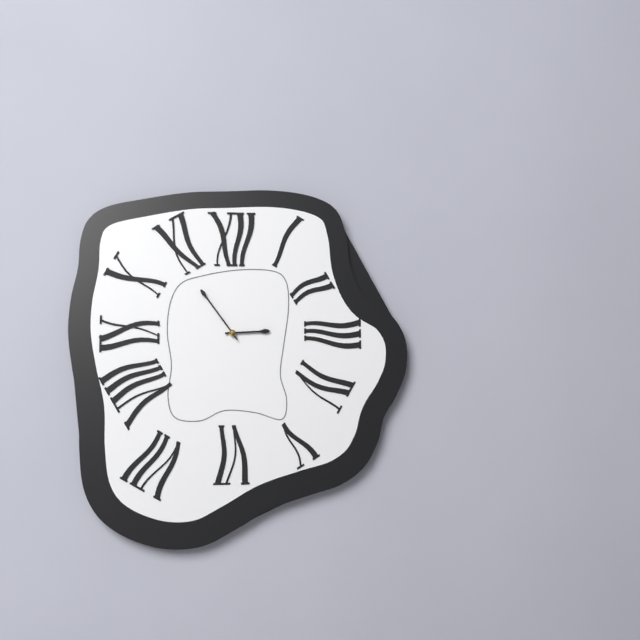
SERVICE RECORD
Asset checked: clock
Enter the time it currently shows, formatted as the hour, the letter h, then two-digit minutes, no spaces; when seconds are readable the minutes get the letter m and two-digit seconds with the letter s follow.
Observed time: 2h54
